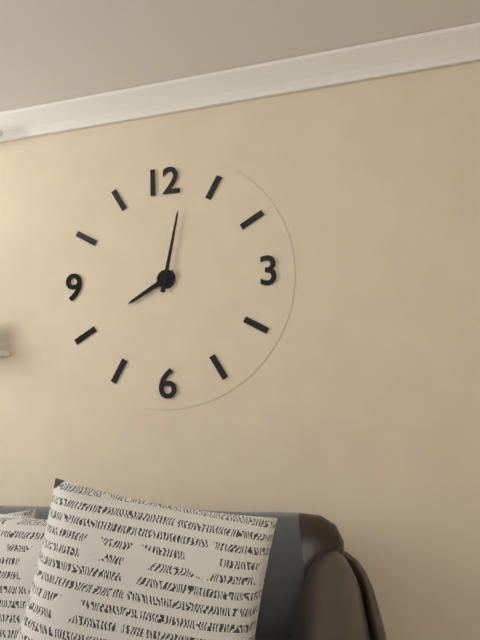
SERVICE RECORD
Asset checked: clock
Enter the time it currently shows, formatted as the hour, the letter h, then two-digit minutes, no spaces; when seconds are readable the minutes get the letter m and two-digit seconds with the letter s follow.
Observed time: 8h02
